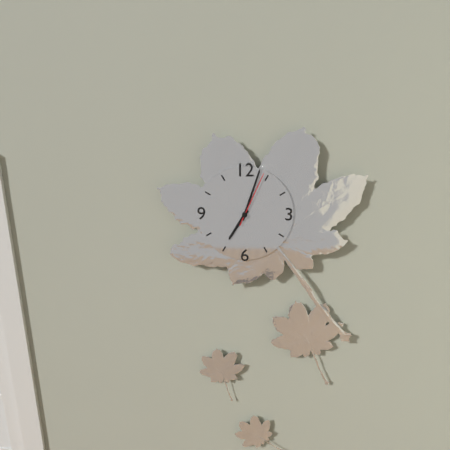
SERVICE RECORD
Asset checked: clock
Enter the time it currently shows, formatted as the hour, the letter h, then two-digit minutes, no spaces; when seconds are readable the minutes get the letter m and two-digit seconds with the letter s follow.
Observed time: 7h03m04s
